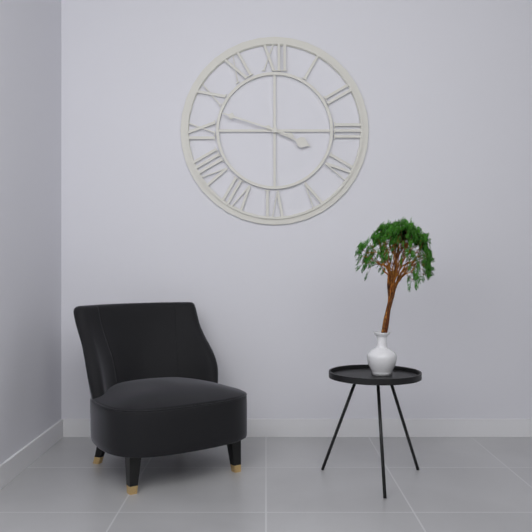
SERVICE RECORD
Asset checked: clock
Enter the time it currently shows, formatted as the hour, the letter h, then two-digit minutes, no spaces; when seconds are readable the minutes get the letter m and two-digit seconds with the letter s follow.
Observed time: 3h48
